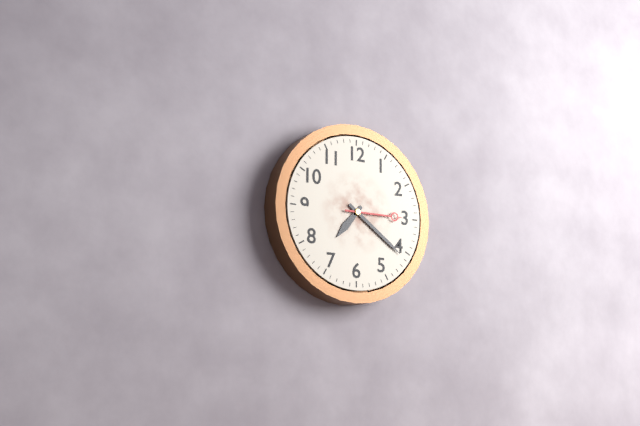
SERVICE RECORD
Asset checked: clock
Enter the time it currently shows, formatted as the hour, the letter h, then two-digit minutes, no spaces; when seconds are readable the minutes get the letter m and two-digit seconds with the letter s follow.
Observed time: 7h21m15s
